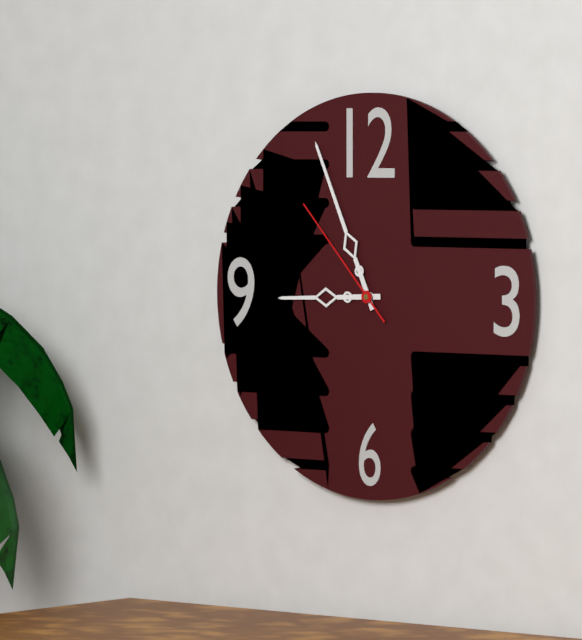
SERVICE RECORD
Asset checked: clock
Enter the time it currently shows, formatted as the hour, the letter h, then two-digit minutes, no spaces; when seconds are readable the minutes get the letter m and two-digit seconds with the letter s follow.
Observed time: 8h56m53s
